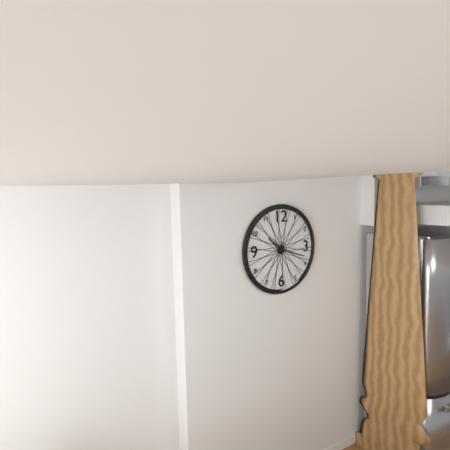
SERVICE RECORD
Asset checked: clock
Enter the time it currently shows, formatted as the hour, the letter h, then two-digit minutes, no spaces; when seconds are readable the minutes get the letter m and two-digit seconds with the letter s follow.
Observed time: 10h18
